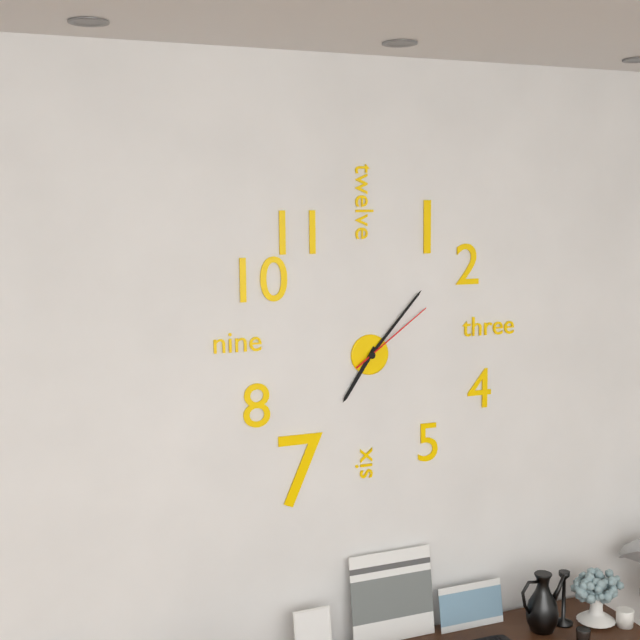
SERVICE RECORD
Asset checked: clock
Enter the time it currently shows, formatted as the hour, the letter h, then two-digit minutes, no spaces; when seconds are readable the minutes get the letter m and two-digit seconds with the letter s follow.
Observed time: 7h07m09s
